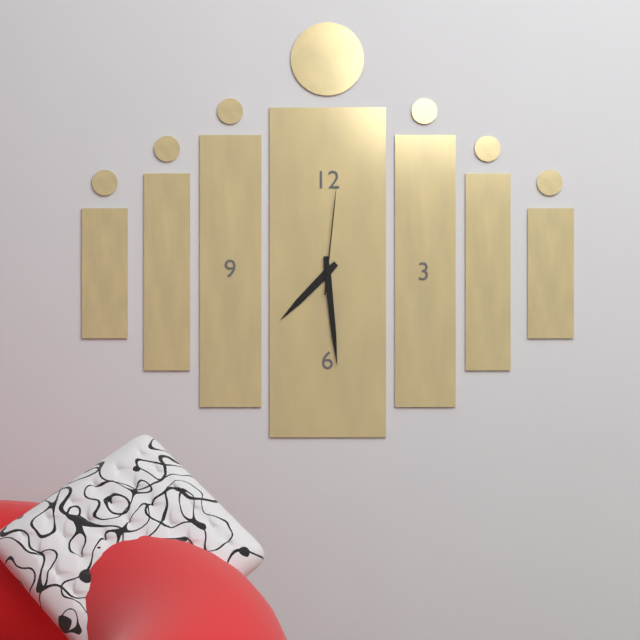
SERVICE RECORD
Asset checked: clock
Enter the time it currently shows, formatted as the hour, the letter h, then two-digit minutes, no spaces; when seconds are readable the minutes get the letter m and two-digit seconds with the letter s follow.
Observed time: 7h29m01s
